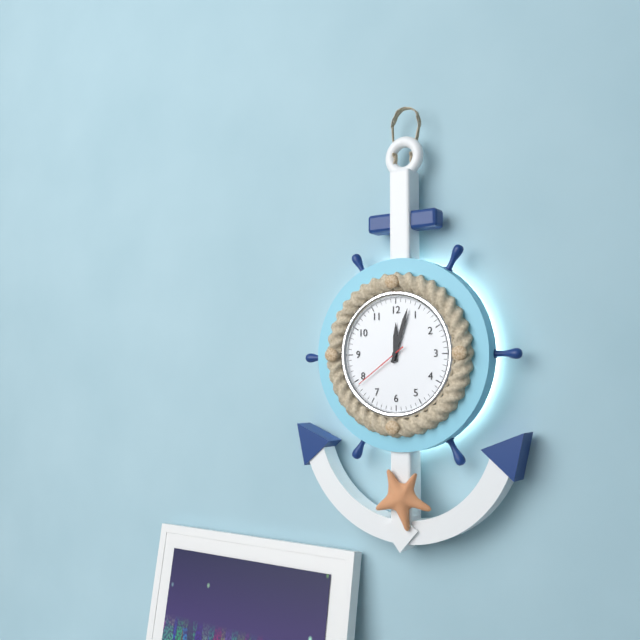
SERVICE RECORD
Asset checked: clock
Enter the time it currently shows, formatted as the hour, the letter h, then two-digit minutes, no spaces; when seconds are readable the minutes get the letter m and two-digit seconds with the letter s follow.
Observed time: 12h03m39s
